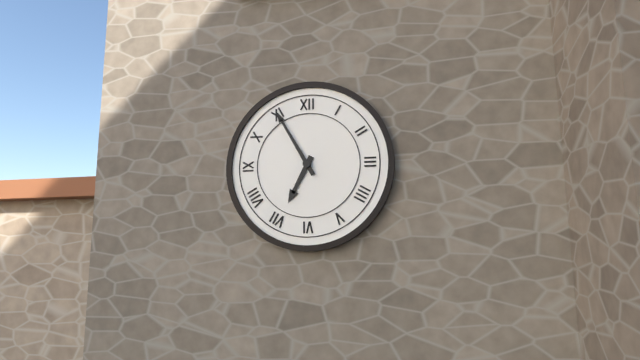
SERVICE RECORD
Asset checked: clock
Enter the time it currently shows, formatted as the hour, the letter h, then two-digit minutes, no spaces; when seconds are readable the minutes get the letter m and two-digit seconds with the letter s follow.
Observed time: 6h55
